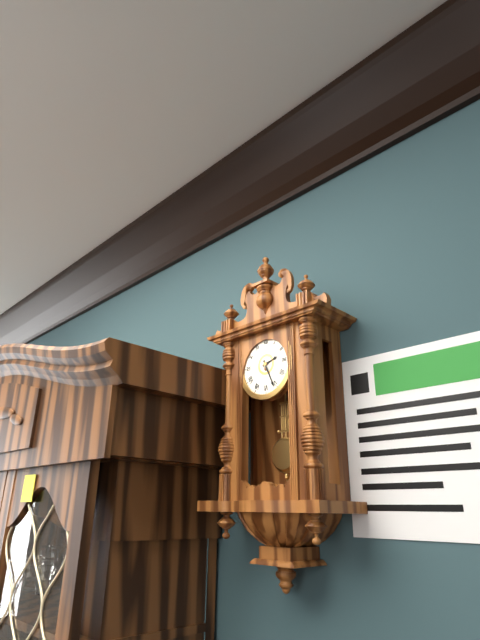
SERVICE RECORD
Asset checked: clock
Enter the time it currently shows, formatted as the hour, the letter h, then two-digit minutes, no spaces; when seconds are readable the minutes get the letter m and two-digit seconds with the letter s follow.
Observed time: 2h26
